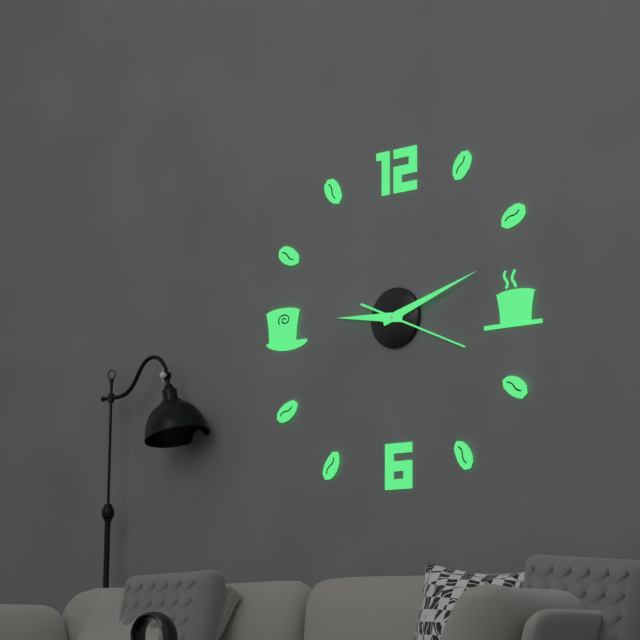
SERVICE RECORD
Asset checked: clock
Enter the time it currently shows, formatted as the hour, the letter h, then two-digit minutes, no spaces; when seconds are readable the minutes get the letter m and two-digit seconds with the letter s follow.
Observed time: 9h12m19s
